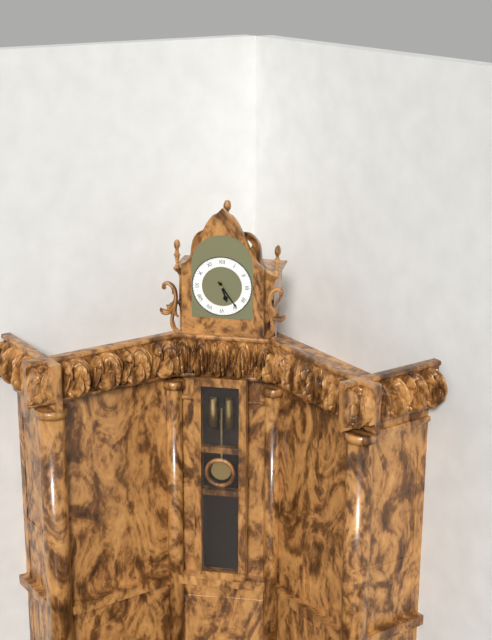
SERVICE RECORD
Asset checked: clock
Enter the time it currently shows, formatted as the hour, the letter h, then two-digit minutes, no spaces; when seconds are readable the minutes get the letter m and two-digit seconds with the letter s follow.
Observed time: 5h24
